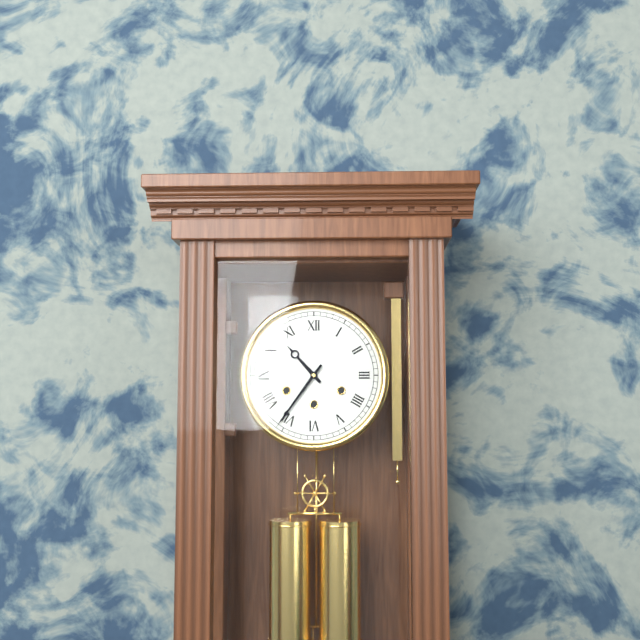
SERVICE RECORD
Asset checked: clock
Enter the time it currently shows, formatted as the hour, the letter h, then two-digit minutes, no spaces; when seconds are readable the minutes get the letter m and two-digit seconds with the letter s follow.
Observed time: 10h36
